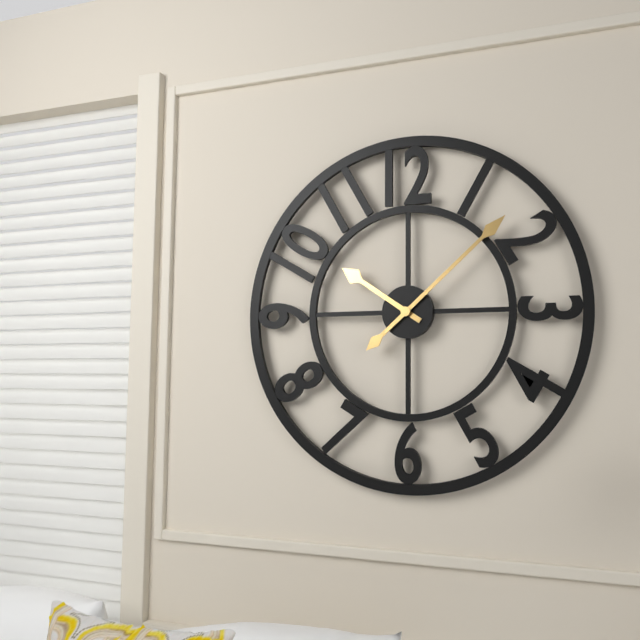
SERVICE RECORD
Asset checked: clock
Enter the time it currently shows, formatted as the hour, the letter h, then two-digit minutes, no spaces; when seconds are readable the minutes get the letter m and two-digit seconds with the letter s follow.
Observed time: 10h08
